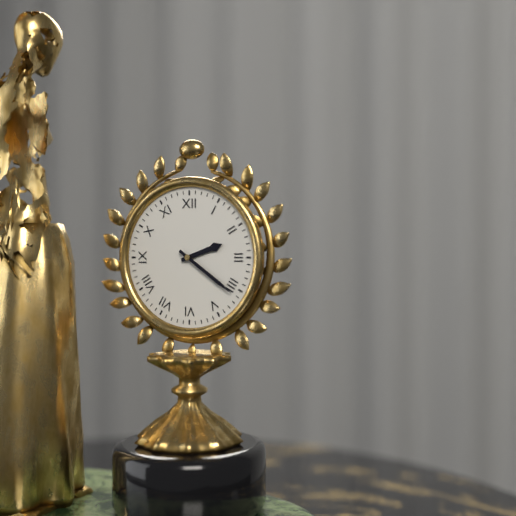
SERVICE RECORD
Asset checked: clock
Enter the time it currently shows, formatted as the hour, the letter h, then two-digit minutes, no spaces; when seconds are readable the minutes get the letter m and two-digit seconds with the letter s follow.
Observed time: 2h21
